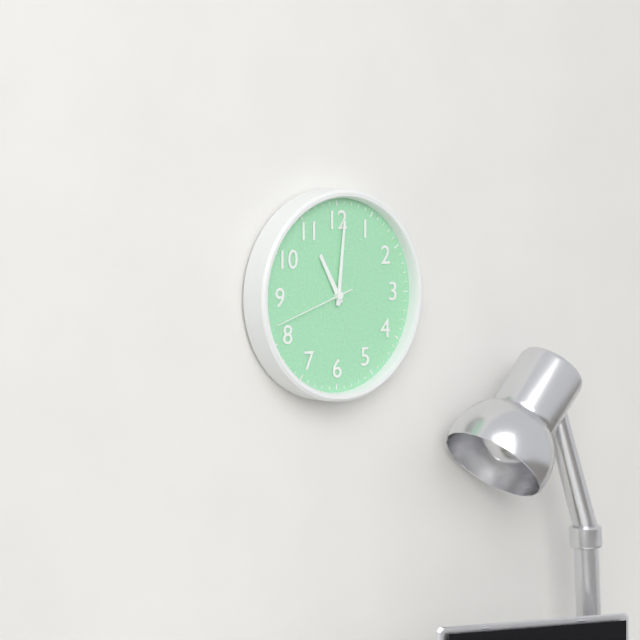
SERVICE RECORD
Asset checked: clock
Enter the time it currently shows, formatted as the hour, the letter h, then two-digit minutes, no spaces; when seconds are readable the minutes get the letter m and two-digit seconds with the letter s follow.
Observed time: 11h01m42s
